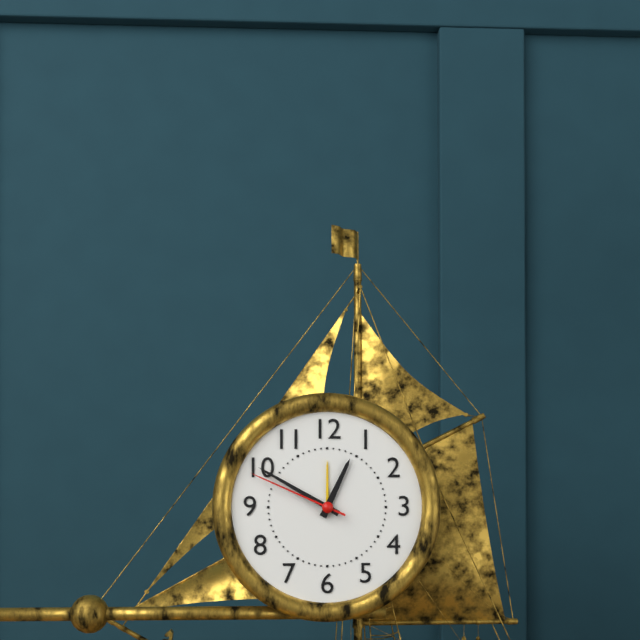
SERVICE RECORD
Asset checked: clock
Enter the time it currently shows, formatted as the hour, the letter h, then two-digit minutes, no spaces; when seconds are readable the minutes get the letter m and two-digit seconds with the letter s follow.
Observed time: 12h50m49s
